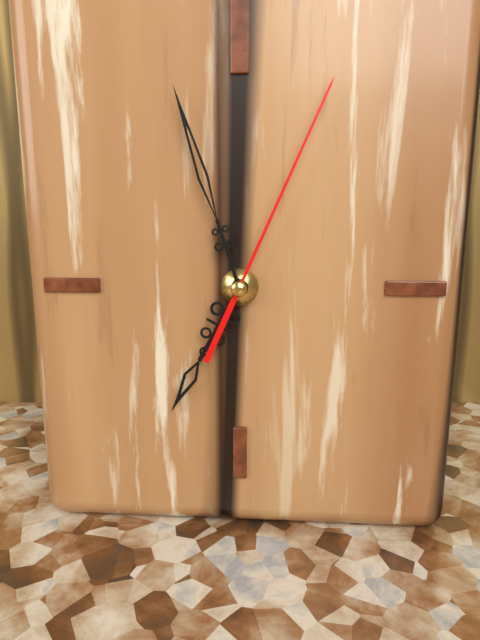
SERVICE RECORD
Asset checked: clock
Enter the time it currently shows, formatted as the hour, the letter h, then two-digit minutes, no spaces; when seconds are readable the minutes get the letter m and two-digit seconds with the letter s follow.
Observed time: 6h57m04s
